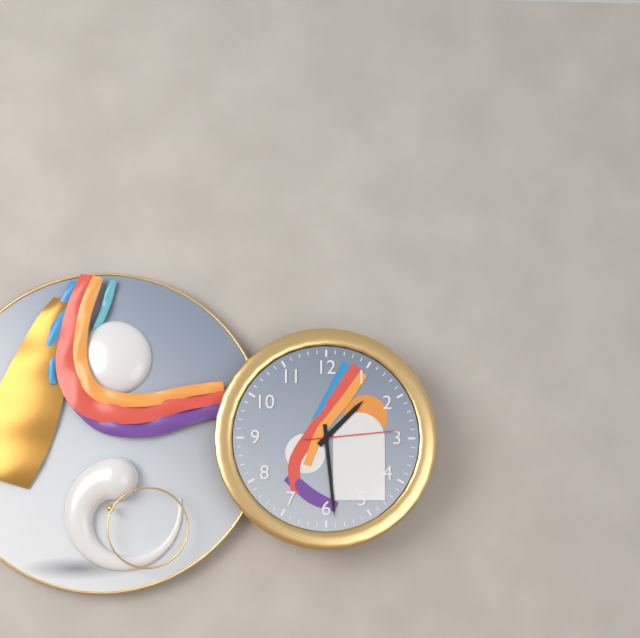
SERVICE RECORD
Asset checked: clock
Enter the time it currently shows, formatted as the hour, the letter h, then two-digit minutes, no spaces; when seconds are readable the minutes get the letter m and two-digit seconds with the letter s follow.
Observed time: 1h29m14s
